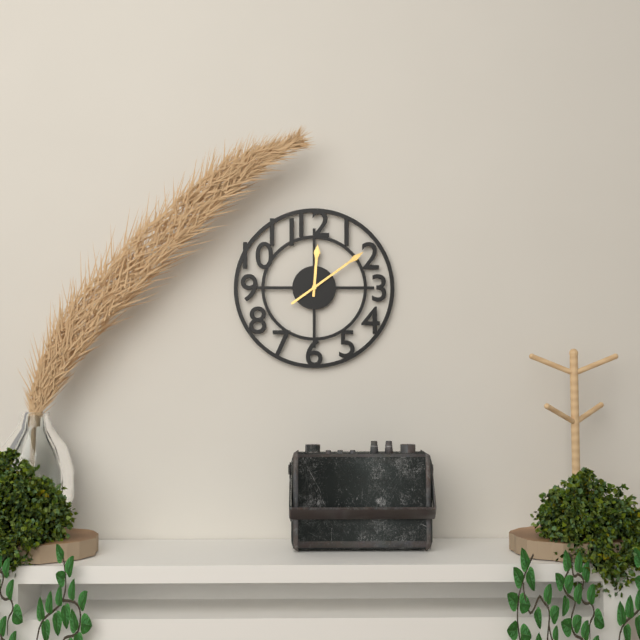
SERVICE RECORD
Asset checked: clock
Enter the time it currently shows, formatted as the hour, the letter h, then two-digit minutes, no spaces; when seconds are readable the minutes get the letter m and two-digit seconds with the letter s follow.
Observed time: 12h09
